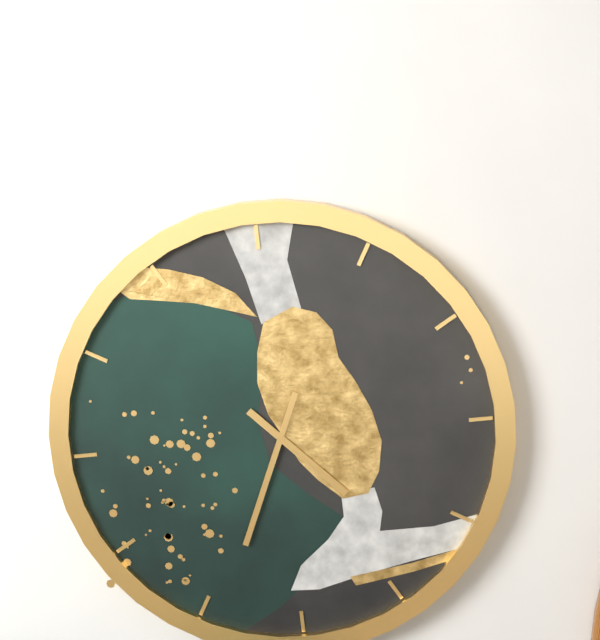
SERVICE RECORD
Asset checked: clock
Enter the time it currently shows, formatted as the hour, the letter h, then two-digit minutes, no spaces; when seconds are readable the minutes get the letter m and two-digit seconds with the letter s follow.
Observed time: 4h34
